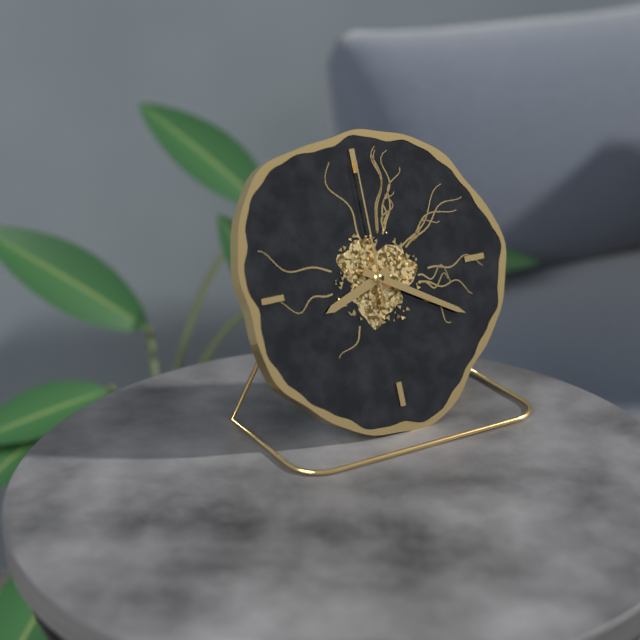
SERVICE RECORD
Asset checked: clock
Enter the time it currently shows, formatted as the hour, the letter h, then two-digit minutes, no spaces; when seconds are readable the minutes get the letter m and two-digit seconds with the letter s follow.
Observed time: 8h20m00s
